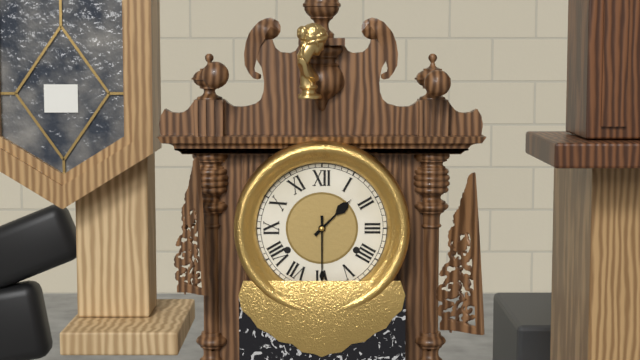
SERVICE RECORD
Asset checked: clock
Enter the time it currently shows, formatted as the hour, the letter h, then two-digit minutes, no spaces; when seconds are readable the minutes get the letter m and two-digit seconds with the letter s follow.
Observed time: 1h30
